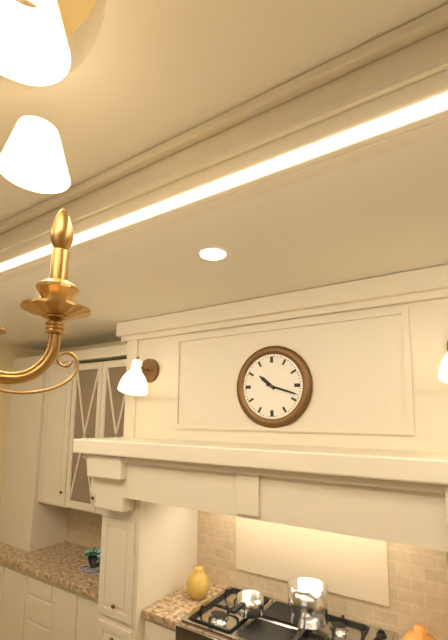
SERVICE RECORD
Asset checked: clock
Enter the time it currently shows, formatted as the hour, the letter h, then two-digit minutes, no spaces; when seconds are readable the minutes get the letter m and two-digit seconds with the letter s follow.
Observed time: 10h18
